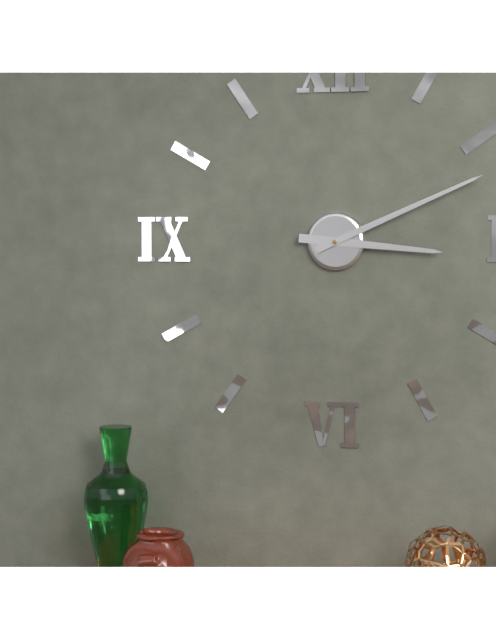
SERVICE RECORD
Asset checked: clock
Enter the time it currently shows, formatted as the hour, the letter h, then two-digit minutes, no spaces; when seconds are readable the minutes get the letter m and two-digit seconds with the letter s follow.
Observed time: 3h11
